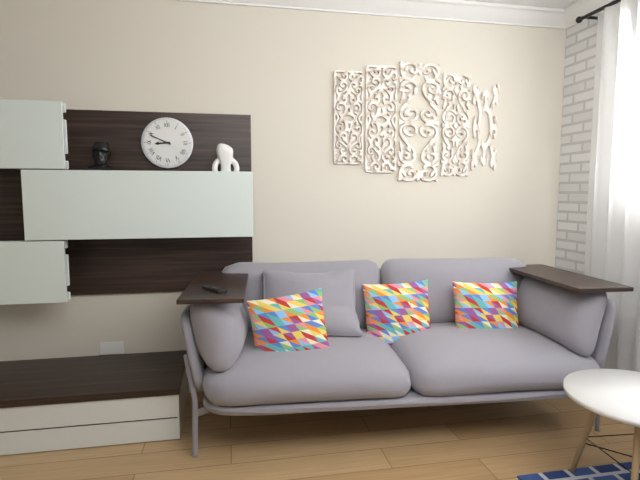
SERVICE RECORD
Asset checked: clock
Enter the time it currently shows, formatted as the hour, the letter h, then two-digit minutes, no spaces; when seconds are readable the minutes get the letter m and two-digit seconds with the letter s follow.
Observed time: 8h49
